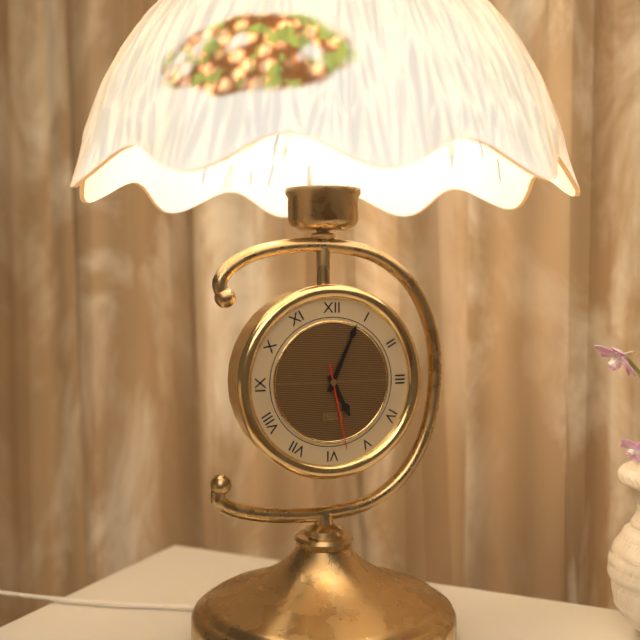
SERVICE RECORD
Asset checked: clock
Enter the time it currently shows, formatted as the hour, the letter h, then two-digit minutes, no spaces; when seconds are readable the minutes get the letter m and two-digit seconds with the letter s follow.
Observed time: 5h04m28s
